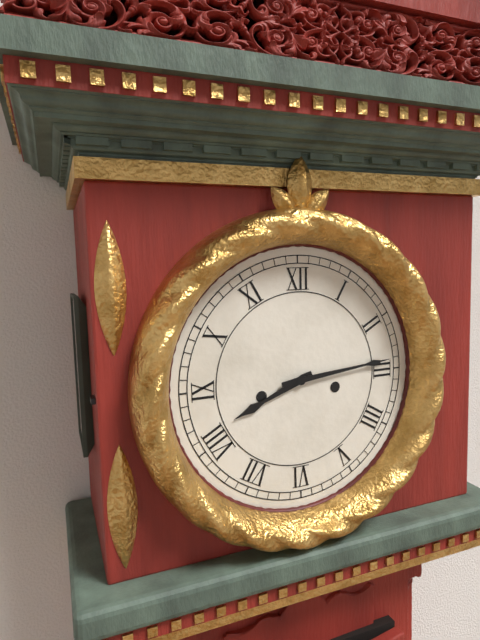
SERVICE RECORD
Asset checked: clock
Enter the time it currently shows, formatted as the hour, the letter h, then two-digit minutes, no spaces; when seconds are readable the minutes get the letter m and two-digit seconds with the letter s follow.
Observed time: 8h14
